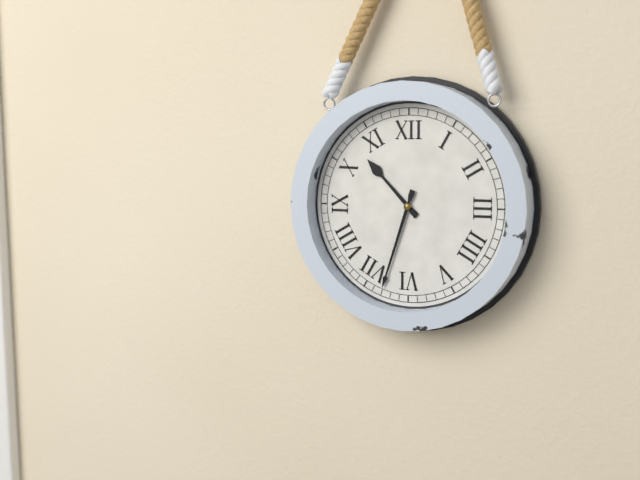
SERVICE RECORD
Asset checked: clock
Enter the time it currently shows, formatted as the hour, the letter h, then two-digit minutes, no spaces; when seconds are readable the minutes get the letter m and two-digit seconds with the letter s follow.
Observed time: 10h33
